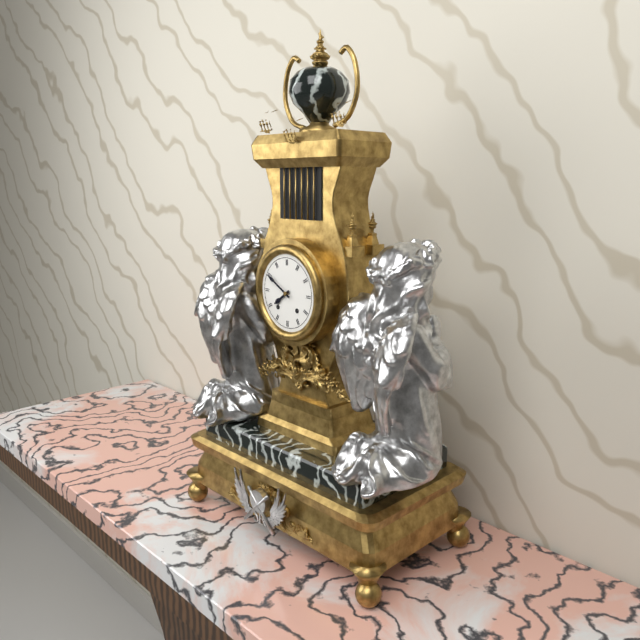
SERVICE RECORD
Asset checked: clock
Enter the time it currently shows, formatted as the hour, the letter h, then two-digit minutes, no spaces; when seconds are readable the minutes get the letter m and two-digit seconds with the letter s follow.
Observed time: 7h50
